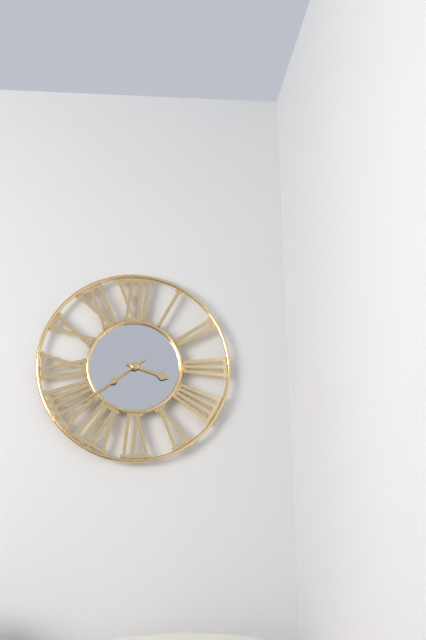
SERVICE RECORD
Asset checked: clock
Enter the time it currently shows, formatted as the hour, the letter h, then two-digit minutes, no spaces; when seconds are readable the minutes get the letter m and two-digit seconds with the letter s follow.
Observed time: 3h39
